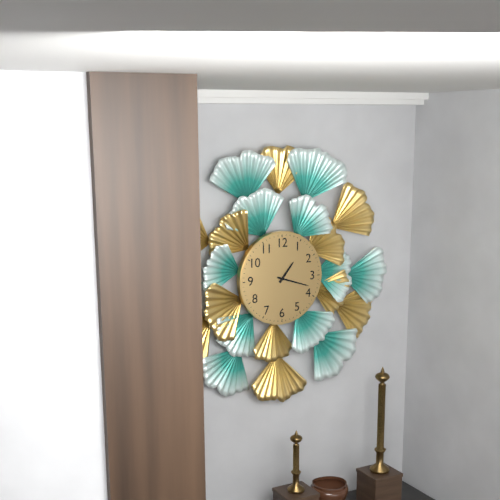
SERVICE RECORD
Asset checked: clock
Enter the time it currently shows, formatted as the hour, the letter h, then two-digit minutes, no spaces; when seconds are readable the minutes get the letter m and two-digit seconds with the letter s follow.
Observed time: 1h18
